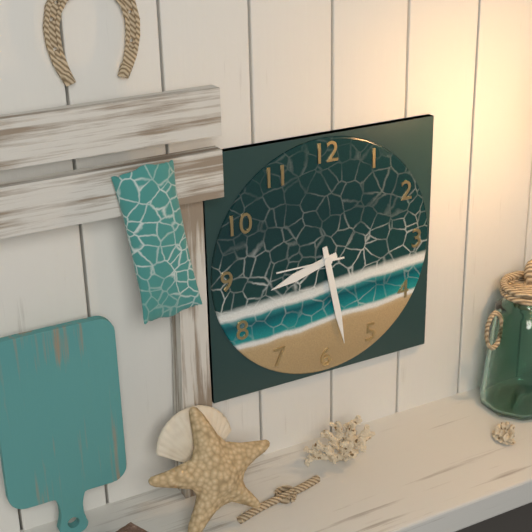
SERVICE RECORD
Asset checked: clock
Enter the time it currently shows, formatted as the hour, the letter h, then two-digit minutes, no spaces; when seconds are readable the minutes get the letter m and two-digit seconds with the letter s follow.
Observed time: 8h28m45s
